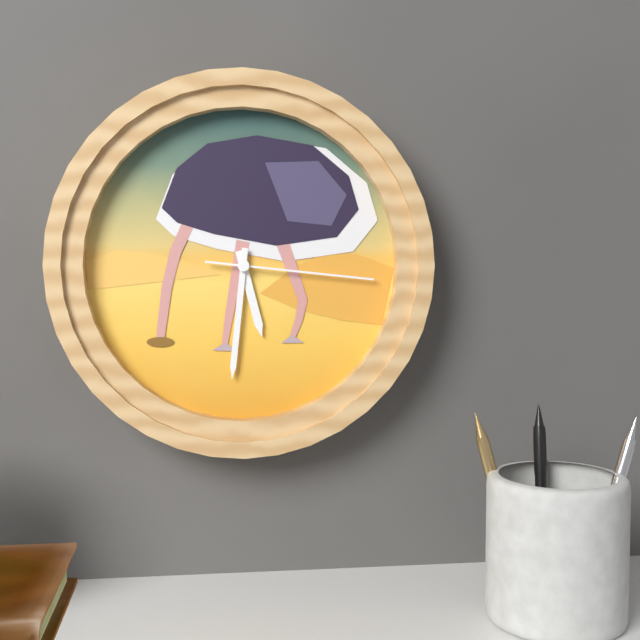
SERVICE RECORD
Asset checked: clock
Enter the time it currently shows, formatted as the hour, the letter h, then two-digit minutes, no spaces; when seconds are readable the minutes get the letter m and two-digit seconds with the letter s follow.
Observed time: 5h31m16s
